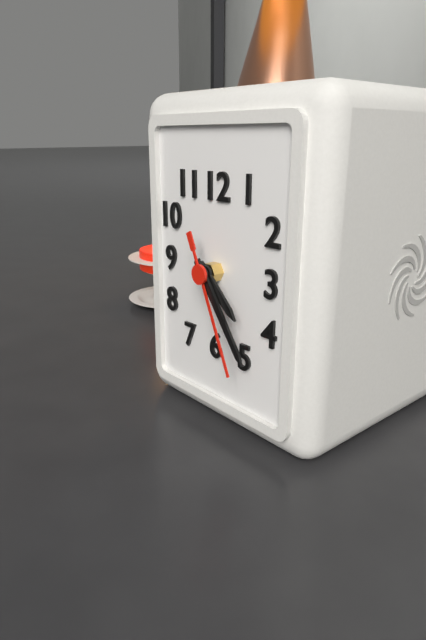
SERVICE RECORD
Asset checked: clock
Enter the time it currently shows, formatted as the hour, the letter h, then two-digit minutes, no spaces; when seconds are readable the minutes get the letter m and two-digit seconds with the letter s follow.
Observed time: 4h24m26s
